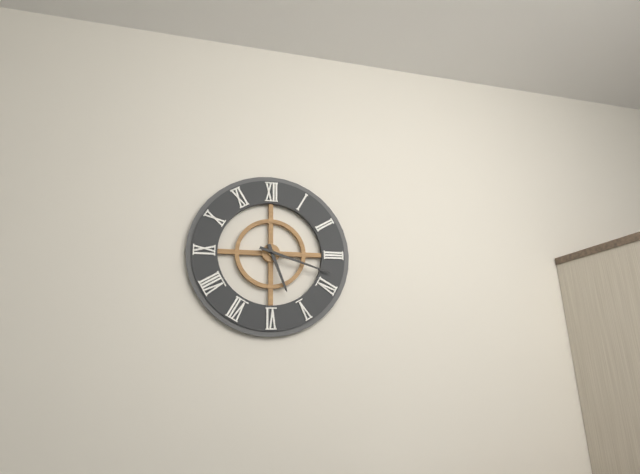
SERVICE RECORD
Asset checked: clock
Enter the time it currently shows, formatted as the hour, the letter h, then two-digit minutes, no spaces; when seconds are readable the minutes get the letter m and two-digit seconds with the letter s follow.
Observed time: 5h18
